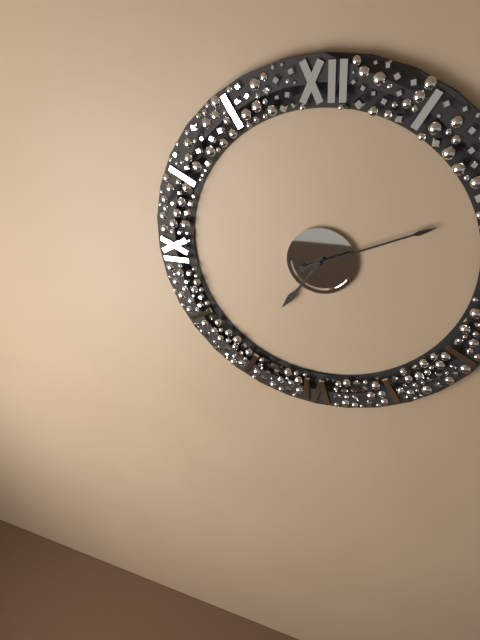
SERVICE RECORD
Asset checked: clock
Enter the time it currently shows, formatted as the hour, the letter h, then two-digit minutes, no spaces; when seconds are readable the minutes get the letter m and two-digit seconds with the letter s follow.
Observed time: 7h11
